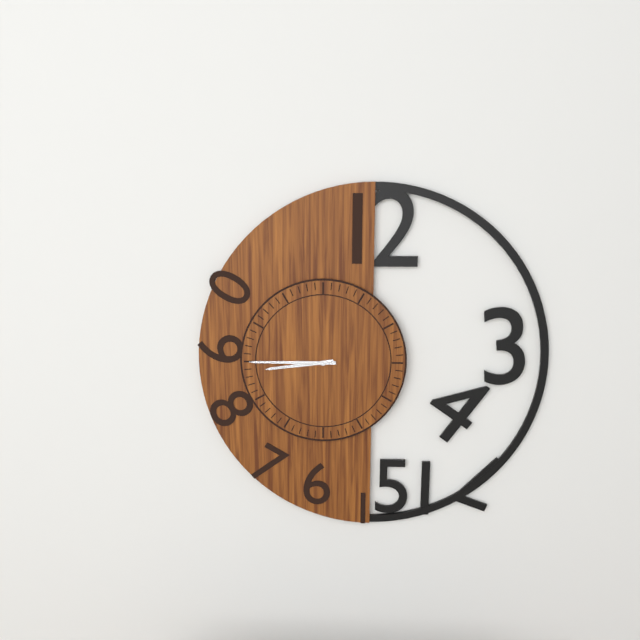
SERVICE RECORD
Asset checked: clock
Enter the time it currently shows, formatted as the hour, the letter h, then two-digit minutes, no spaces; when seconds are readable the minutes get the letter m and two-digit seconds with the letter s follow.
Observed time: 8h45
